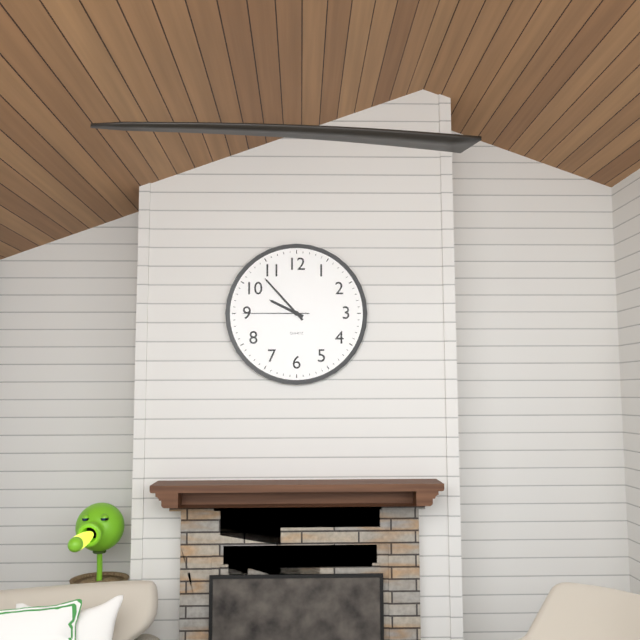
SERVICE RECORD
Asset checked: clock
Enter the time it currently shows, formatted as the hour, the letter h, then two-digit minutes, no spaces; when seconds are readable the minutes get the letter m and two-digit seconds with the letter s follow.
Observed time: 9h53m45s
